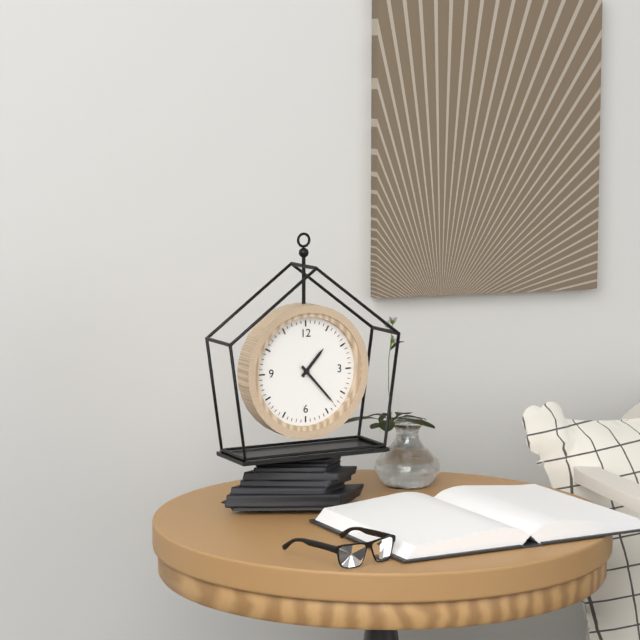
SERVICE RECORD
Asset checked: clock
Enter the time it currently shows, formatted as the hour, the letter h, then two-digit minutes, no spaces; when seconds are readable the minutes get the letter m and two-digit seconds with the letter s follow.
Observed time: 1h23
